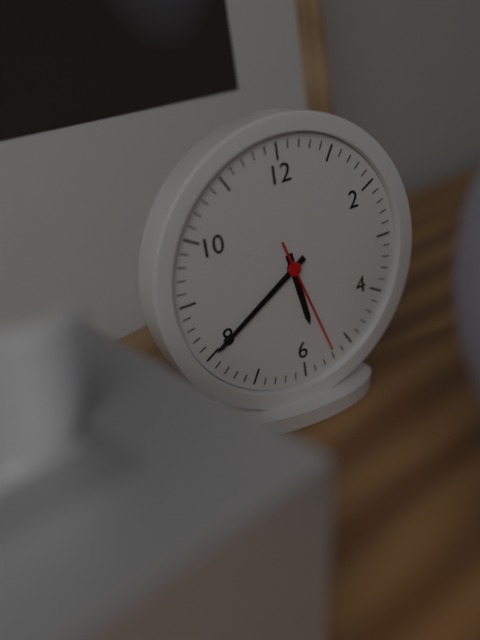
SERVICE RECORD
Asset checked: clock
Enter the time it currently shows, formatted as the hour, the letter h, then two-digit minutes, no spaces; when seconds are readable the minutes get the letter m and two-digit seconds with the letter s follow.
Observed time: 5h40m27s
